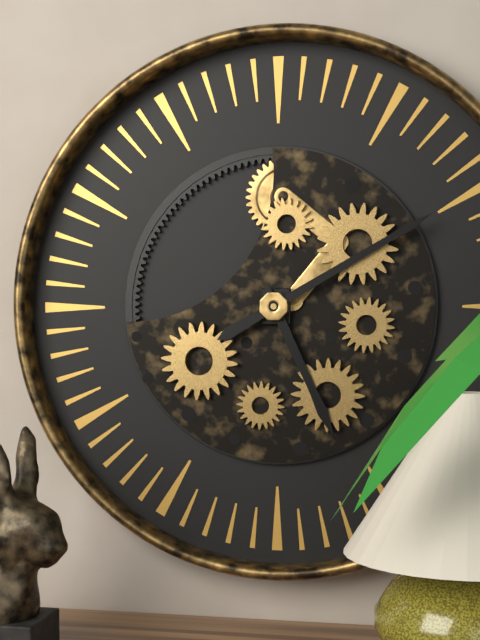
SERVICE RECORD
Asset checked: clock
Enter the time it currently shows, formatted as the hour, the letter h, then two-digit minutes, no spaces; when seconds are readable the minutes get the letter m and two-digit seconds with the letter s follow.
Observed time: 5h10
